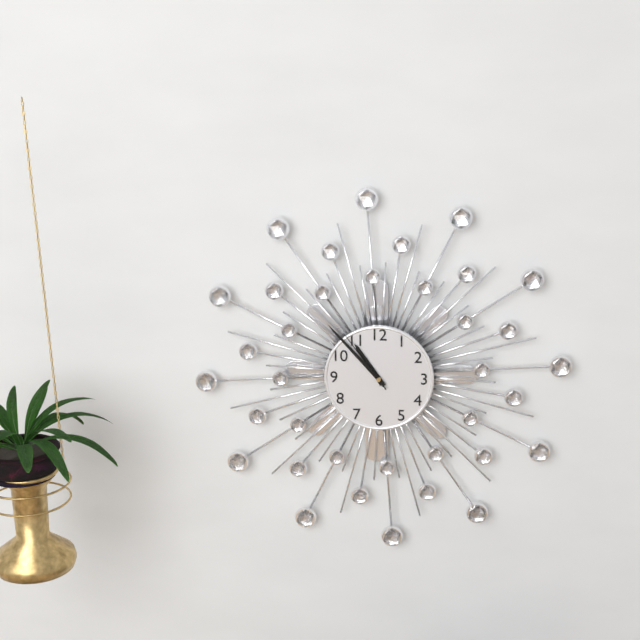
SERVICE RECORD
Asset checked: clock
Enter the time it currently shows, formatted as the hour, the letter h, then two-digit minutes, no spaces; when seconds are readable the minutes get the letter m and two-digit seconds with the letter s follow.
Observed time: 10h53m54s
